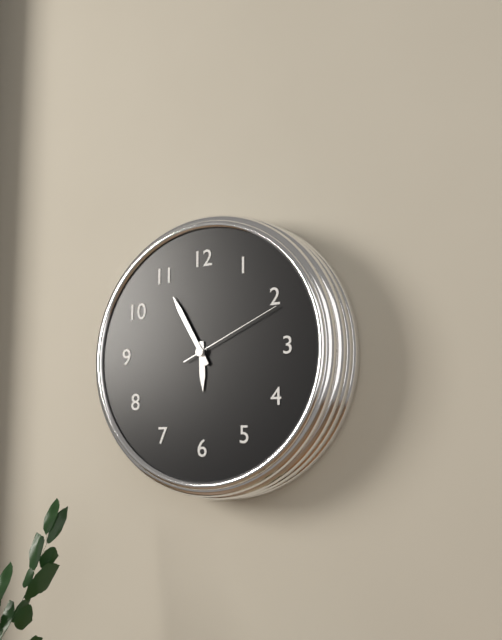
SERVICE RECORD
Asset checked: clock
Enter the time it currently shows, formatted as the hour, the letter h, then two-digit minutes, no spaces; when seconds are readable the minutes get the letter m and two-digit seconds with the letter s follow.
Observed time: 5h55m11s
